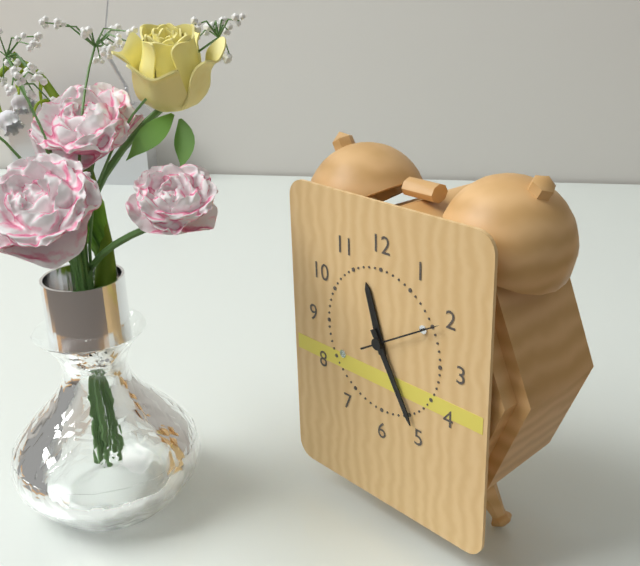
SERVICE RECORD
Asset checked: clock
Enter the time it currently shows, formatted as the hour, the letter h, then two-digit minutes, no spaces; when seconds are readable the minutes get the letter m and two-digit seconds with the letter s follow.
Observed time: 11h25m10s
